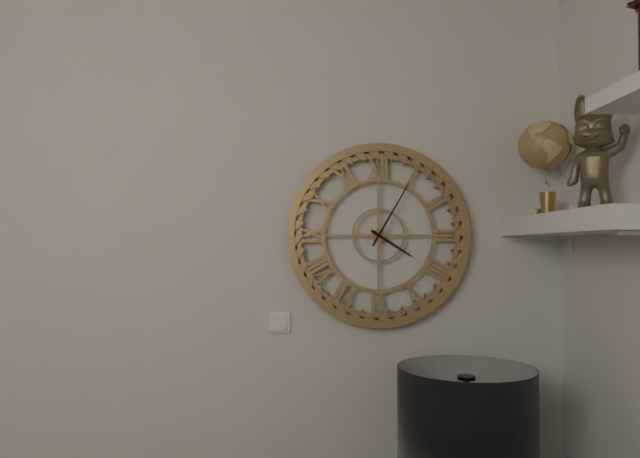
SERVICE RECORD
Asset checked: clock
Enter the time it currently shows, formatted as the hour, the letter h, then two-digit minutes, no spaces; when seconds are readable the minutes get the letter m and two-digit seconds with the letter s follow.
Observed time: 4h05
